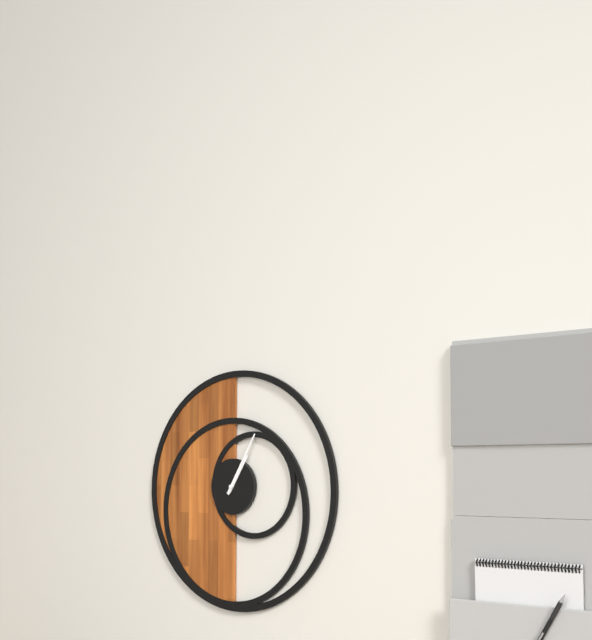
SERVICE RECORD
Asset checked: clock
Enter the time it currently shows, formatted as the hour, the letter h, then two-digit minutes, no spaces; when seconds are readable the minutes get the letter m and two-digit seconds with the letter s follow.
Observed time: 1h05
